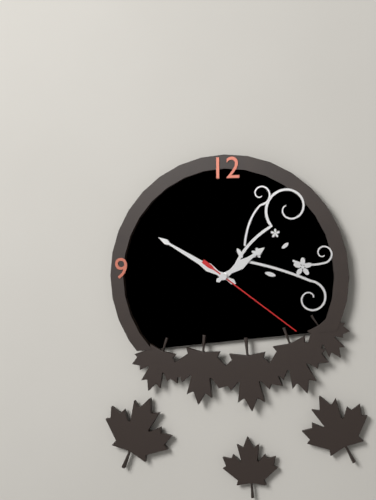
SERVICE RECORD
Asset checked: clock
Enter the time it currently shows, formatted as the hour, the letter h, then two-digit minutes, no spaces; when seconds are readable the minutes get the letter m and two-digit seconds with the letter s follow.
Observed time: 1h50m21s
